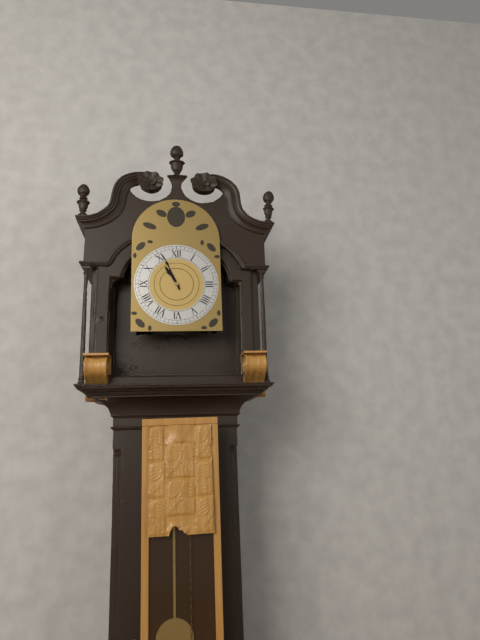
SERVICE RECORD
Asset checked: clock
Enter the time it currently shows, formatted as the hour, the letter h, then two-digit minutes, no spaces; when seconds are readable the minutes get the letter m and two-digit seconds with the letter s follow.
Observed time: 10h56
